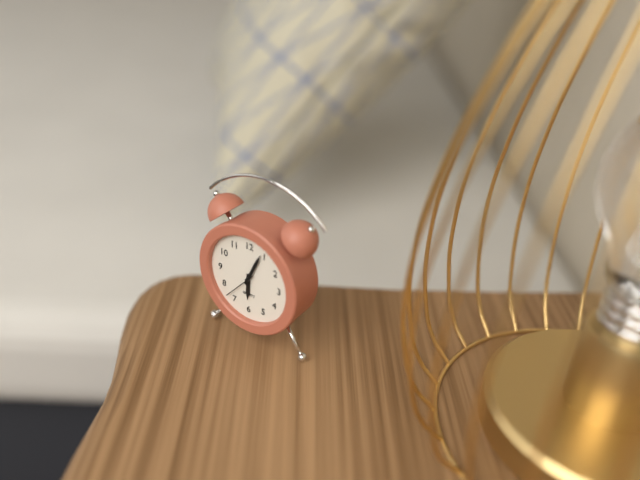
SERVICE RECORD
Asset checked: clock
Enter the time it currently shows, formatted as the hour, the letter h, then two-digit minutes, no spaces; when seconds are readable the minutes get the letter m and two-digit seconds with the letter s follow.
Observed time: 6h04
